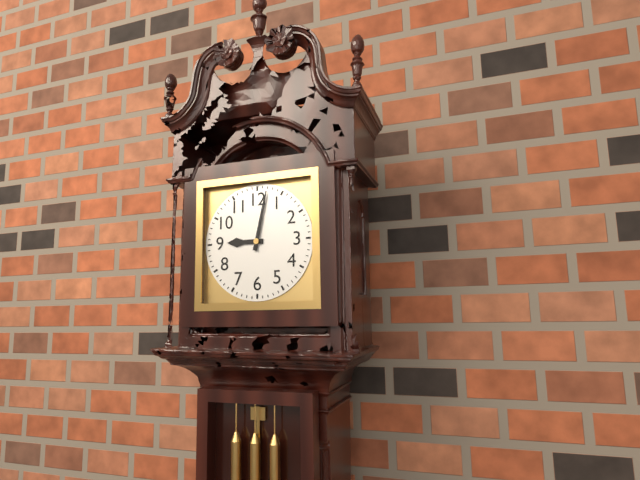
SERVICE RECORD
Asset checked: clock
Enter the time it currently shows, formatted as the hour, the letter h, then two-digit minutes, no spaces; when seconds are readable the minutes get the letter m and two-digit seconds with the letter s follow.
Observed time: 9h02
